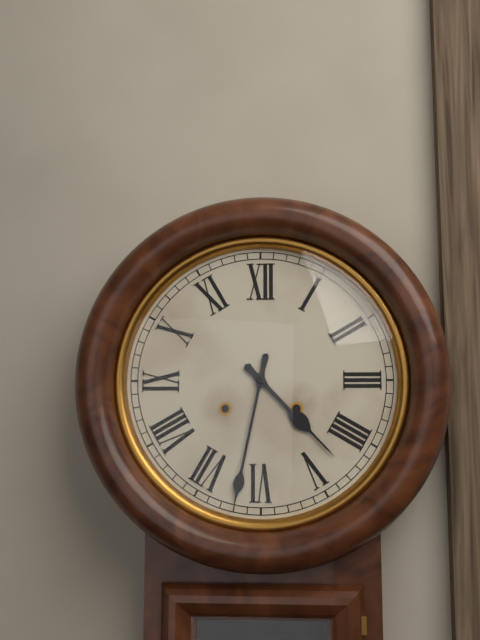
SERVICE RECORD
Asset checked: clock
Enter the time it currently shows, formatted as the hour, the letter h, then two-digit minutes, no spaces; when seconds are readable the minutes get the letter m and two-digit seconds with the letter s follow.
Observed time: 4h32
